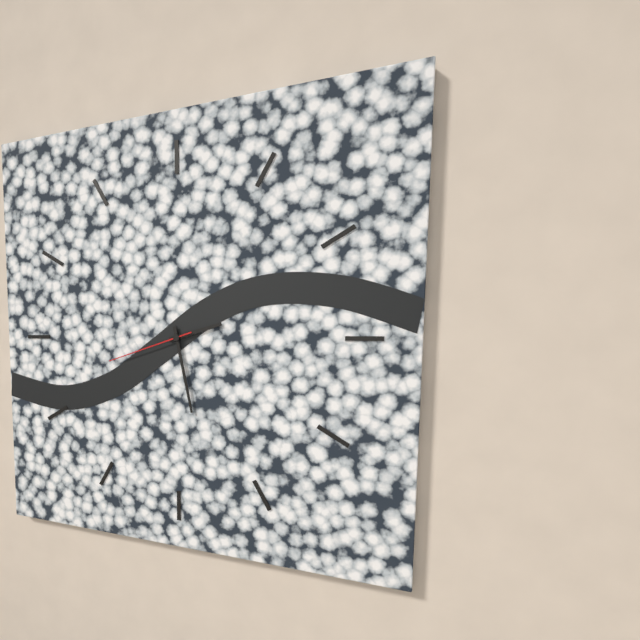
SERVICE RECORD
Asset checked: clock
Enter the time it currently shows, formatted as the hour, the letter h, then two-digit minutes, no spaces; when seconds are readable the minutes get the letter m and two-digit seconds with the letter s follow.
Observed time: 2h28m42s
